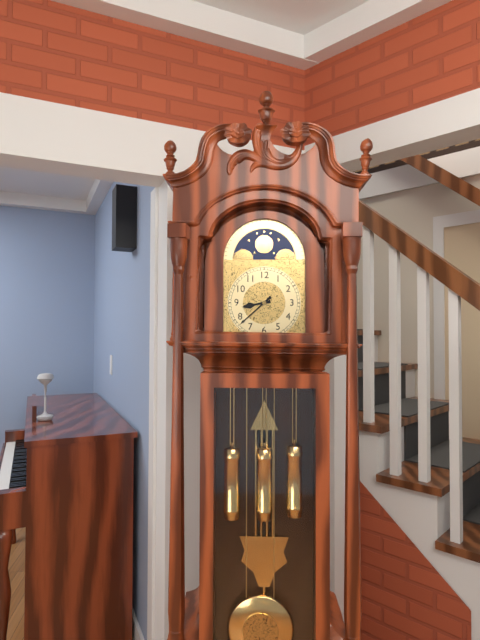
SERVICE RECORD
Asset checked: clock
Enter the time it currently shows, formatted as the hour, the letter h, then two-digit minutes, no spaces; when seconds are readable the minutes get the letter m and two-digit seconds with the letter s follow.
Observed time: 8h38
